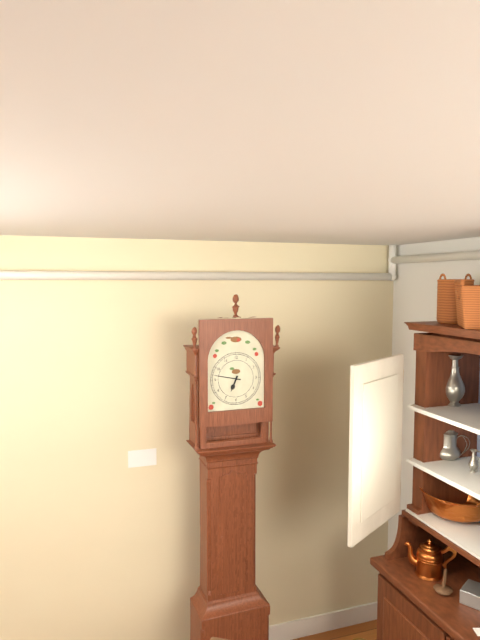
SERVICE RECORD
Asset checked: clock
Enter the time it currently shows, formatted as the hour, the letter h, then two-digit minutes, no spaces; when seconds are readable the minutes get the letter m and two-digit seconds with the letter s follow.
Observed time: 6h47
